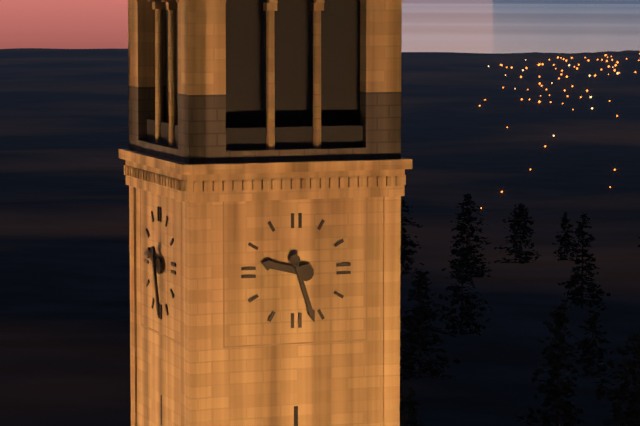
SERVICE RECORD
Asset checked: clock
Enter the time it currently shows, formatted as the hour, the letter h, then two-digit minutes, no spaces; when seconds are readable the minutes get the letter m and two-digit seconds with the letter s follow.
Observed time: 9h27
